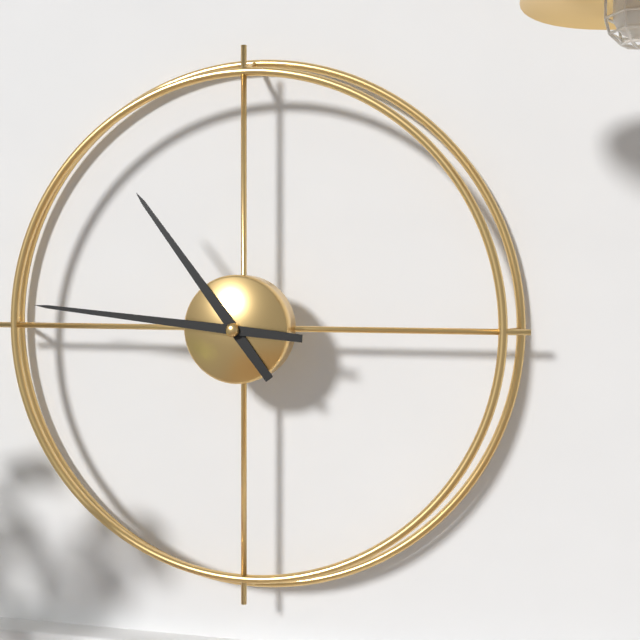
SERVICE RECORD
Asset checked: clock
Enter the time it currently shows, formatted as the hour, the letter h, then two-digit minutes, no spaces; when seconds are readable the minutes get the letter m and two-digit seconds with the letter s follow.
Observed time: 10h46
